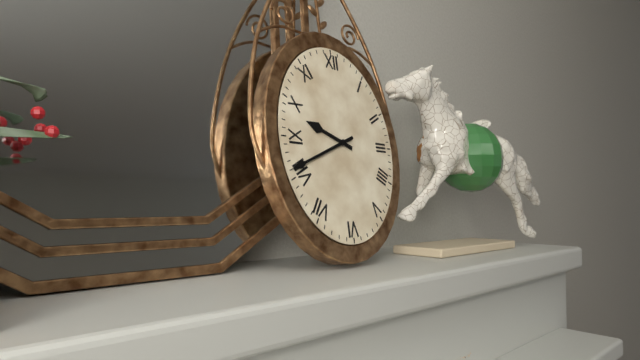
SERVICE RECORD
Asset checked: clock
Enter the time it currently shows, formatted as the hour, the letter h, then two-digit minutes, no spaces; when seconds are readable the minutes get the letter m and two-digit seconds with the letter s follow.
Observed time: 9h41
